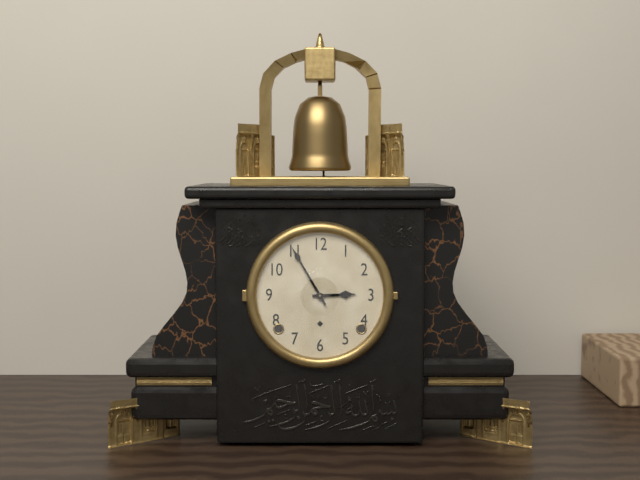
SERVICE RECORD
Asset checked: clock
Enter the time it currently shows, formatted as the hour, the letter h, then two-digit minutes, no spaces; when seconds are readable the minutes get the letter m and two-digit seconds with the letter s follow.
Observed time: 2h55
